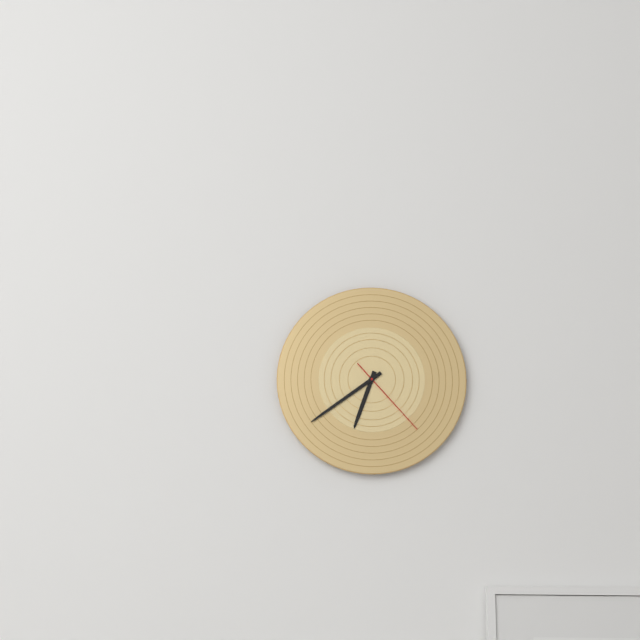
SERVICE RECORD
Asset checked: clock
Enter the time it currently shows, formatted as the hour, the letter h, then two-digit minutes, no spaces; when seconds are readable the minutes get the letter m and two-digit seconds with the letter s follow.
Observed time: 6h39m23s
